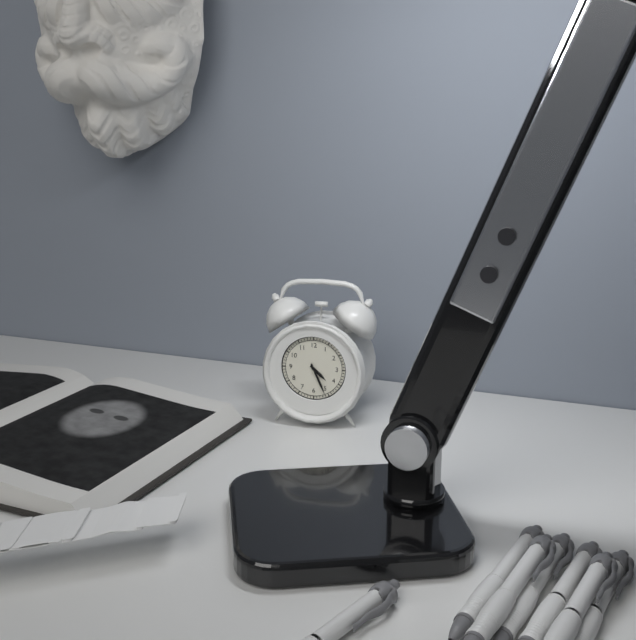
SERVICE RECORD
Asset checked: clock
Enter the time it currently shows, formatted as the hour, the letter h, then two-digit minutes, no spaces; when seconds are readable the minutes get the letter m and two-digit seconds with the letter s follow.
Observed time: 4h26
